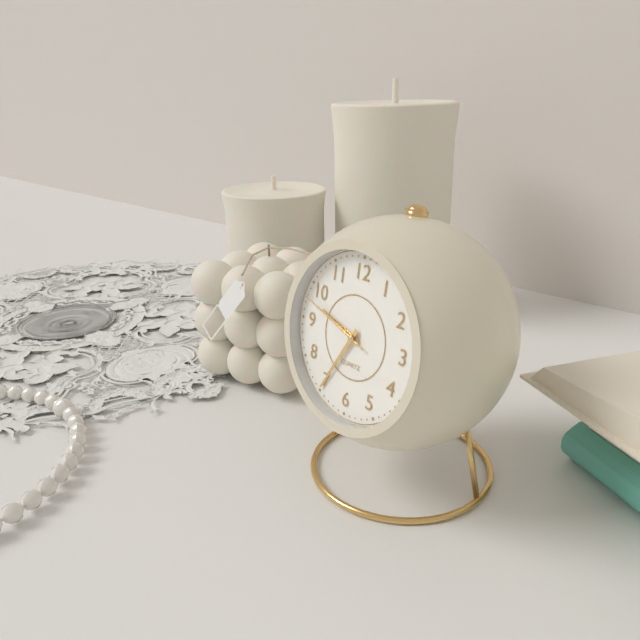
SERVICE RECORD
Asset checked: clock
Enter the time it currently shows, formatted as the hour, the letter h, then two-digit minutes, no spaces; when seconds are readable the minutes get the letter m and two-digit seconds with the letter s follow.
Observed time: 9h35m48s
